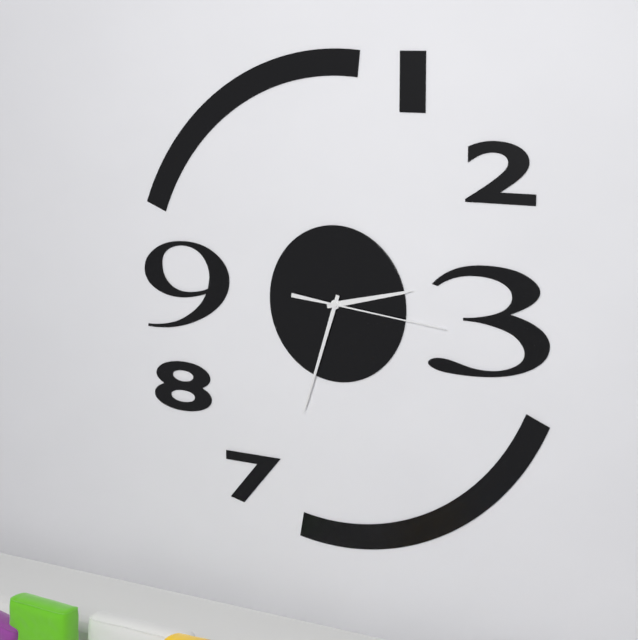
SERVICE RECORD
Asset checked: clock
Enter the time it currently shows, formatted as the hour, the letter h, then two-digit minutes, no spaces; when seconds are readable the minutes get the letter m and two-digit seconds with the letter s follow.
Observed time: 2h33m16s
